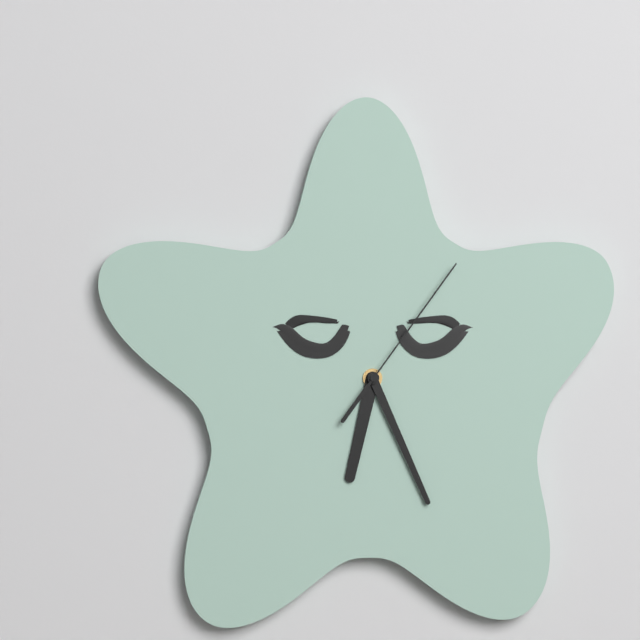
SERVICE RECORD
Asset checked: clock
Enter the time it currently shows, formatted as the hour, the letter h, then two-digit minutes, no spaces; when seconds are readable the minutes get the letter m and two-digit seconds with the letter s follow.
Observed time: 6h26m06s
